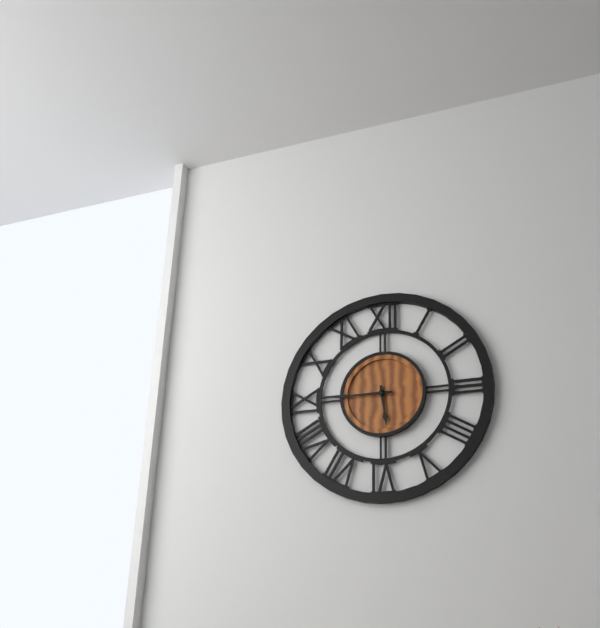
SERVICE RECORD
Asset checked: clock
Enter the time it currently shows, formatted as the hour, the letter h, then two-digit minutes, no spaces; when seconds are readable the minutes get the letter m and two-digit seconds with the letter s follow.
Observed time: 5h45
